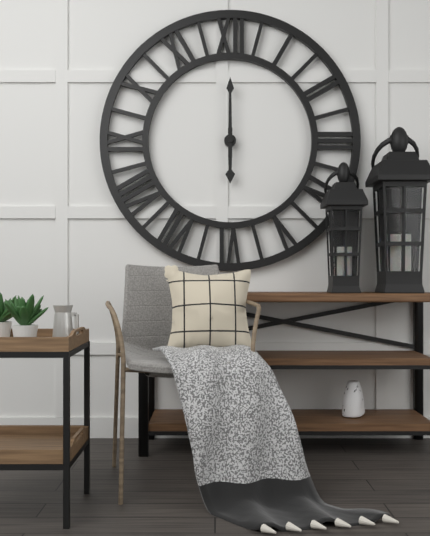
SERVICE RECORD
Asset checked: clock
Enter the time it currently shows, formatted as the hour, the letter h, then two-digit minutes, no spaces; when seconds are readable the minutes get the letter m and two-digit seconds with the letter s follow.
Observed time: 6h00
